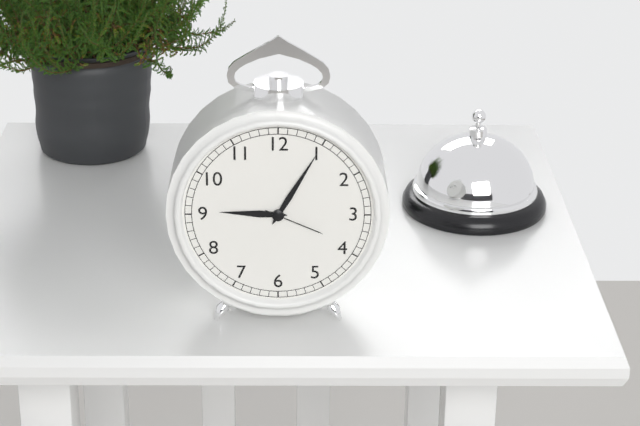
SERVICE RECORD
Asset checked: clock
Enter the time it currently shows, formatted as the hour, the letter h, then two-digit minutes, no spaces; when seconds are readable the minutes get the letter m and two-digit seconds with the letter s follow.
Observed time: 9h05m19s
